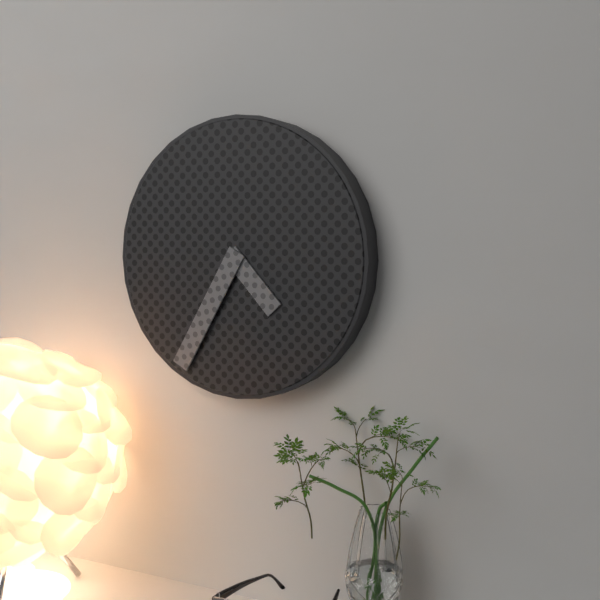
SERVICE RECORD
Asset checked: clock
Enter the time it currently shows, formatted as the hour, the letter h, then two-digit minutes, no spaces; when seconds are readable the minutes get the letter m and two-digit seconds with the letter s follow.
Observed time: 4h35
